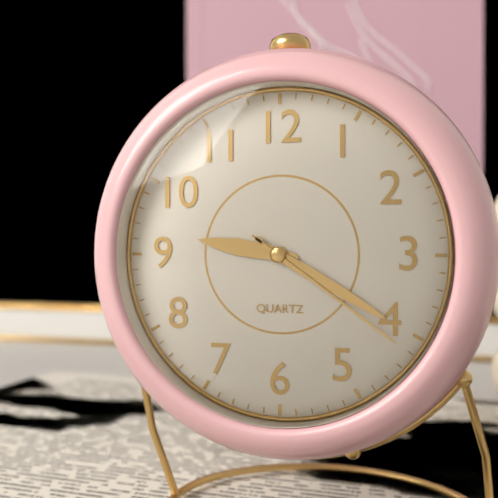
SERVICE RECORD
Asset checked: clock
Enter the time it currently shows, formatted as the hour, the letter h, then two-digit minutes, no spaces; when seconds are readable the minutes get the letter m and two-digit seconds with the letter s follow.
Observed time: 9h20m21s
